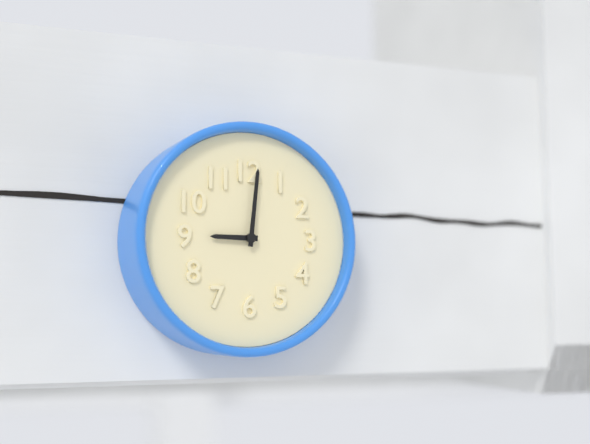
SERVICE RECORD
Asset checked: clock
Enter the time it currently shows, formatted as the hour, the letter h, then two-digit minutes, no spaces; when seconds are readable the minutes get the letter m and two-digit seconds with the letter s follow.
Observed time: 9h01
